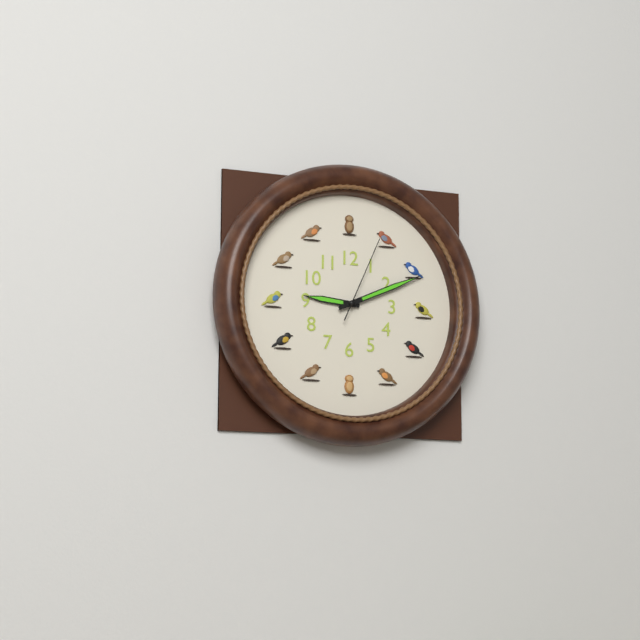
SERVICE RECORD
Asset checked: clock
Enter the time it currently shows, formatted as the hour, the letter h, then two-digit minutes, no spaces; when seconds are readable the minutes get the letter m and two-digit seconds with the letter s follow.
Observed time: 9h11m04s
